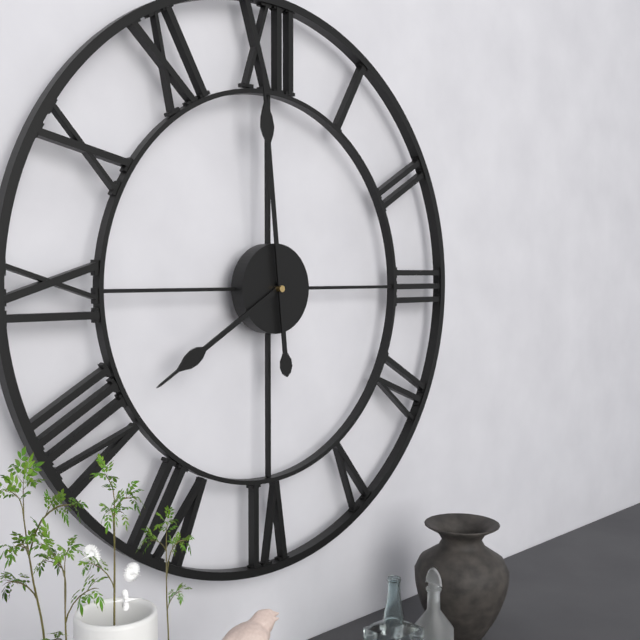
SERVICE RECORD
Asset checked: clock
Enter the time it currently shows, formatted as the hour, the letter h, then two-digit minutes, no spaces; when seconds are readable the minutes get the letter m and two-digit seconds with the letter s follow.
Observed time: 7h59
